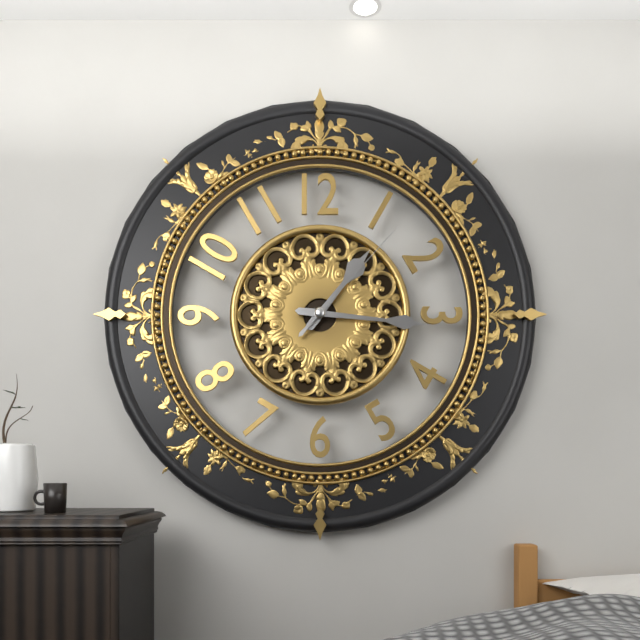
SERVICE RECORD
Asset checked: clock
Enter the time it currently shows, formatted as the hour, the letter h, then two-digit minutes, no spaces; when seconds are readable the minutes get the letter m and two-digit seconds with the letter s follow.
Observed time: 1h16m07s
